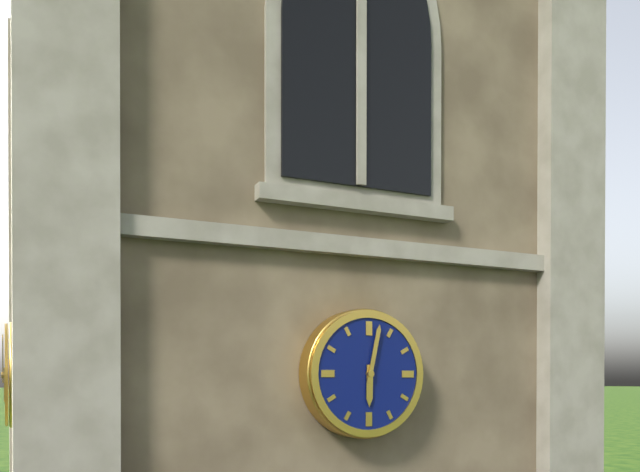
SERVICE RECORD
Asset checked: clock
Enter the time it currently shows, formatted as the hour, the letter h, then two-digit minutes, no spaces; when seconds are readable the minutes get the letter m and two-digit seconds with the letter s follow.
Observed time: 6h02
